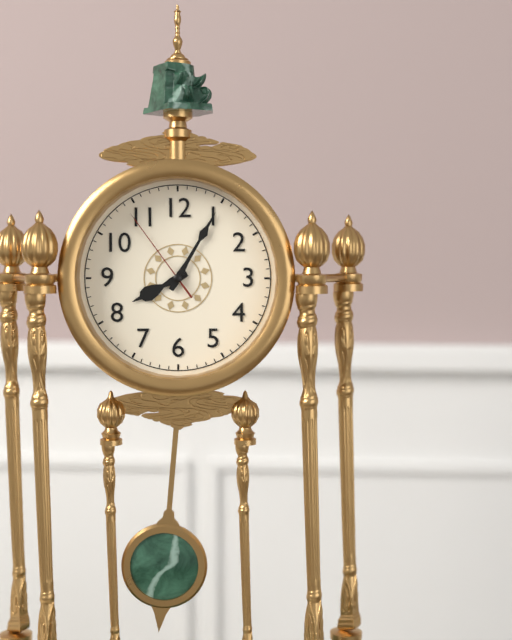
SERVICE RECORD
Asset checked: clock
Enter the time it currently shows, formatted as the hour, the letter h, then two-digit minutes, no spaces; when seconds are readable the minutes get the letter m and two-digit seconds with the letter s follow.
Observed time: 8h05m54s
